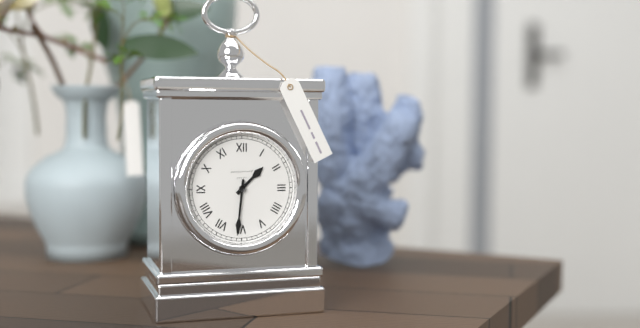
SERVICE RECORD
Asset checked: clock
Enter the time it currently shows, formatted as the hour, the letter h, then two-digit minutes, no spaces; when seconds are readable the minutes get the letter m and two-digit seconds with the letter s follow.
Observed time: 1h31
